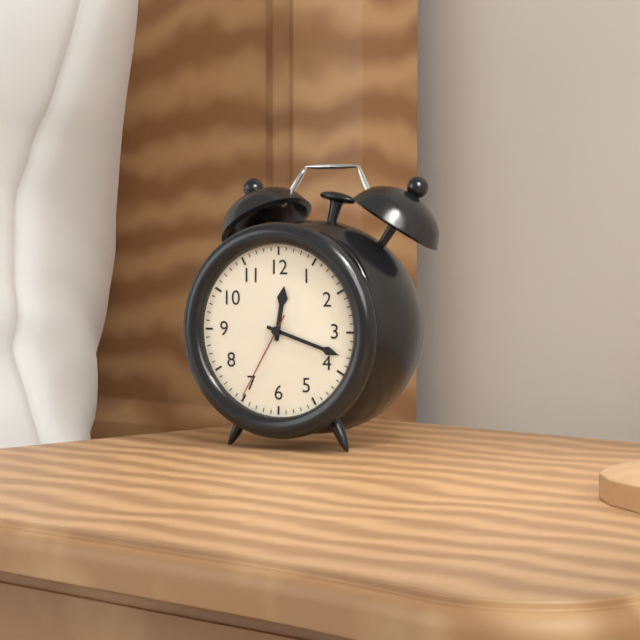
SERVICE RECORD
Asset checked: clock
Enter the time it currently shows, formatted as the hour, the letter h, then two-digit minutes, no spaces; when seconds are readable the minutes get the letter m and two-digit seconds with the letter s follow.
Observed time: 12h18m35s
